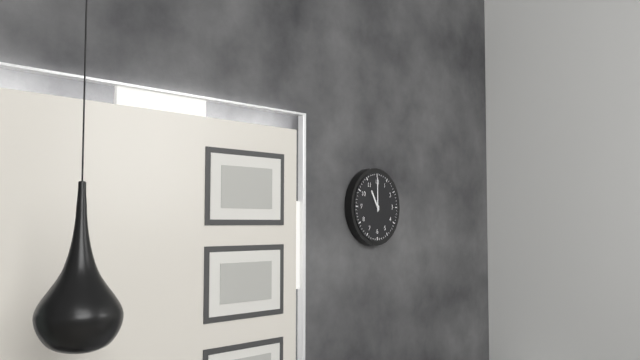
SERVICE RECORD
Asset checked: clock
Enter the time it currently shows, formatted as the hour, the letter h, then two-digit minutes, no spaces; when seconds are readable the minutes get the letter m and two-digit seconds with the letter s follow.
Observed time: 11h00
